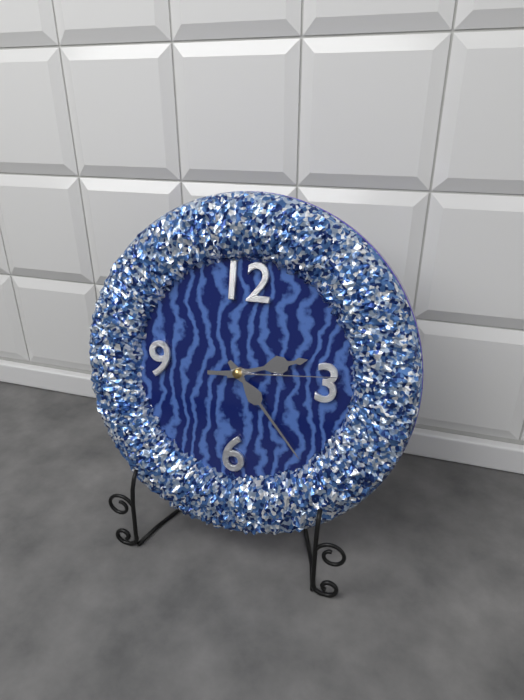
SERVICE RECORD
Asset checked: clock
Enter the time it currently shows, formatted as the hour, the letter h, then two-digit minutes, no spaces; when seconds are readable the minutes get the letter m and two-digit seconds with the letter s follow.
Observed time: 2h23m14s
